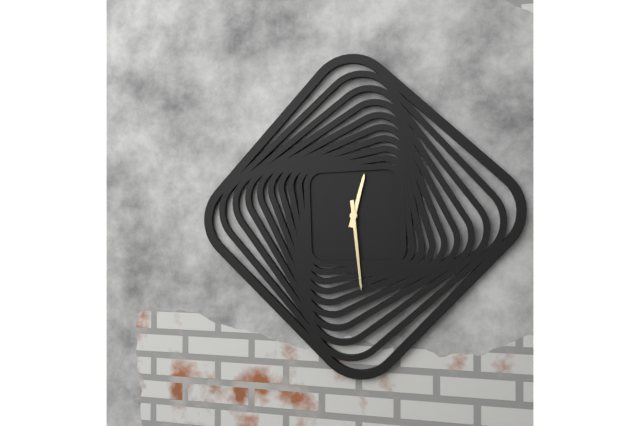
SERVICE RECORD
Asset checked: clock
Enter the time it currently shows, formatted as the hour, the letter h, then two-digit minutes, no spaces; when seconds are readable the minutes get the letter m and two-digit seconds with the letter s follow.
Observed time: 12h29
